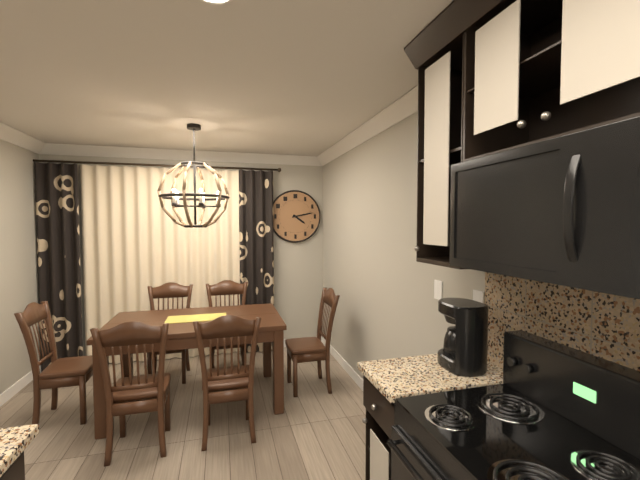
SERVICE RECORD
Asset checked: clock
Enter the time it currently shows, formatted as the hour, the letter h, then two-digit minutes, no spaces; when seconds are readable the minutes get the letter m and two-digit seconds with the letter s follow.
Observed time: 4h13
